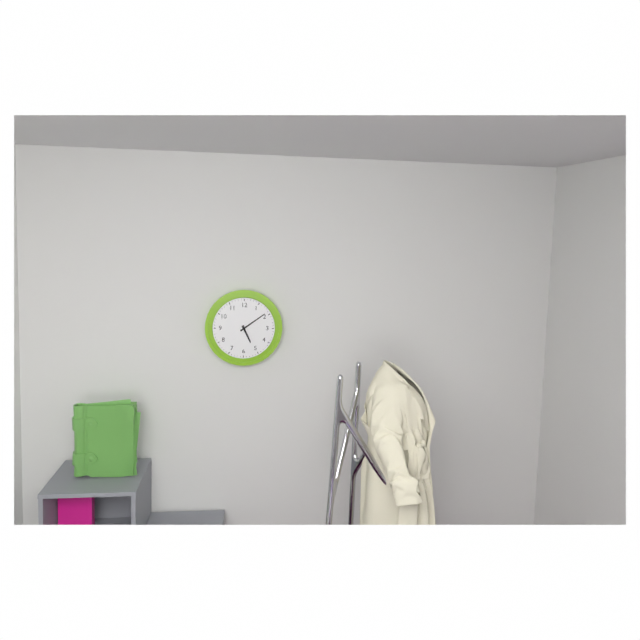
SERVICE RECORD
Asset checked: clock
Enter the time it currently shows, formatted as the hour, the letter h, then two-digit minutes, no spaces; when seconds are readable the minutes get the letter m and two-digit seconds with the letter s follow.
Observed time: 5h09
